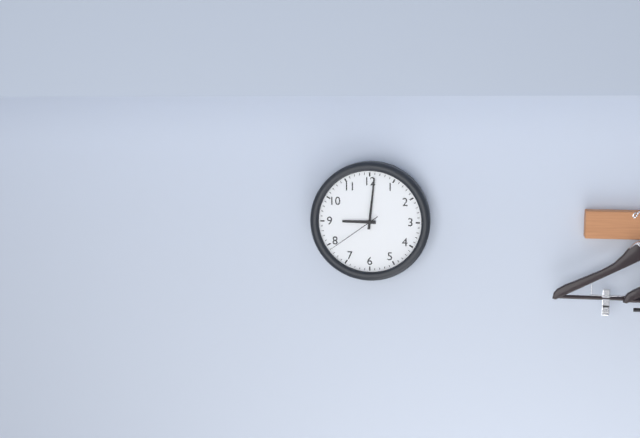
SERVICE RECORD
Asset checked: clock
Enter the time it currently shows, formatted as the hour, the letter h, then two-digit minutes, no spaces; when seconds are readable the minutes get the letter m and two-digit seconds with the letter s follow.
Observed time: 9h01m39s
